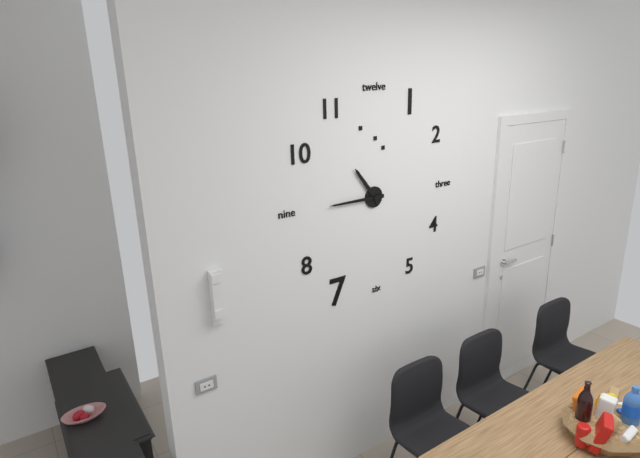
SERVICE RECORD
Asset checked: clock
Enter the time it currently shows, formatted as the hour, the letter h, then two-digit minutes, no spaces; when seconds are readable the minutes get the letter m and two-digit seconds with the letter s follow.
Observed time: 10h45
